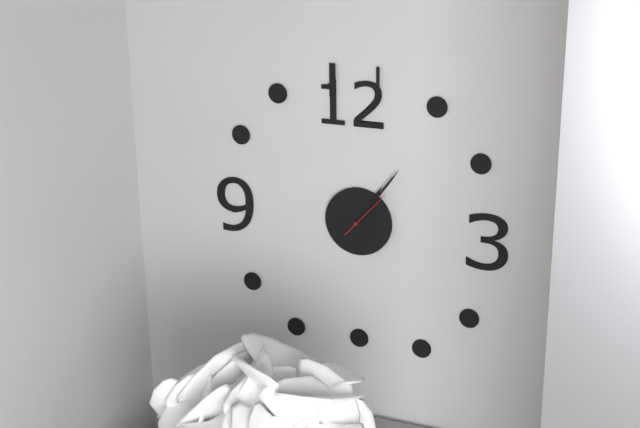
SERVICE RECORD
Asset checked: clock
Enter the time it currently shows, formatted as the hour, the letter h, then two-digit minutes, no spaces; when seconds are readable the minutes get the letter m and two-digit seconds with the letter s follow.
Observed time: 1h06m07s
